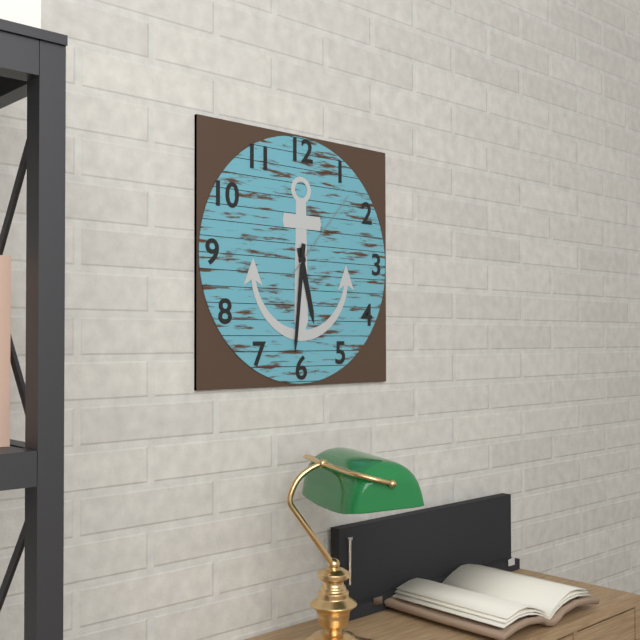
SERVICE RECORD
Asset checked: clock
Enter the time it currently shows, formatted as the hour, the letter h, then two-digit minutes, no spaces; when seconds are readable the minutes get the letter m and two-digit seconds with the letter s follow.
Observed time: 5h31m07s
